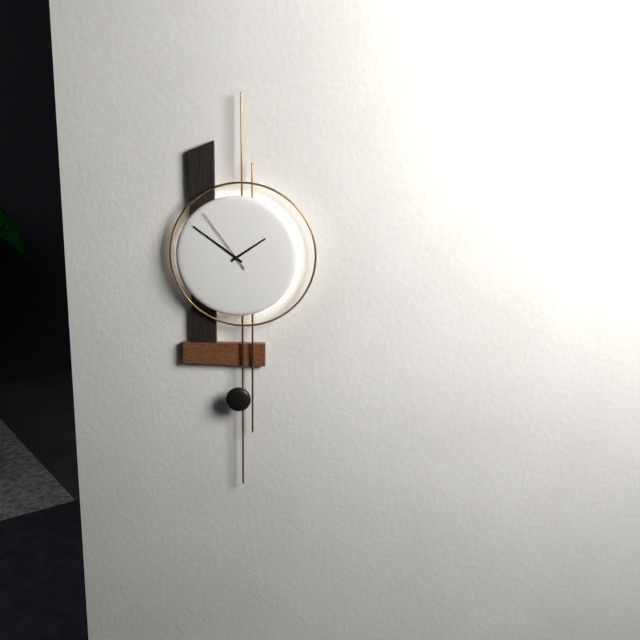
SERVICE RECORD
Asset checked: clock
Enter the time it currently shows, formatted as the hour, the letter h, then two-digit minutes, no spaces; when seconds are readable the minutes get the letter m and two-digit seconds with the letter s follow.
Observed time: 1h51m54s
